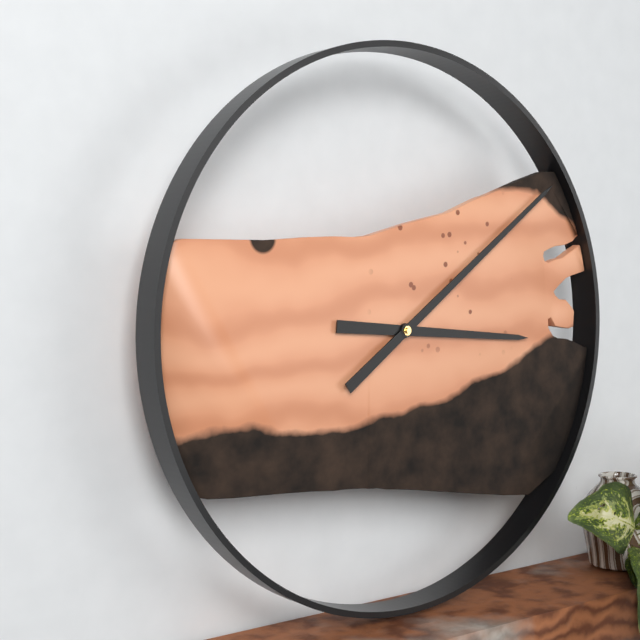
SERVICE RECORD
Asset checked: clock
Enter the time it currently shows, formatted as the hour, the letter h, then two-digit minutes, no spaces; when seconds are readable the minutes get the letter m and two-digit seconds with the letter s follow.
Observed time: 3h09
